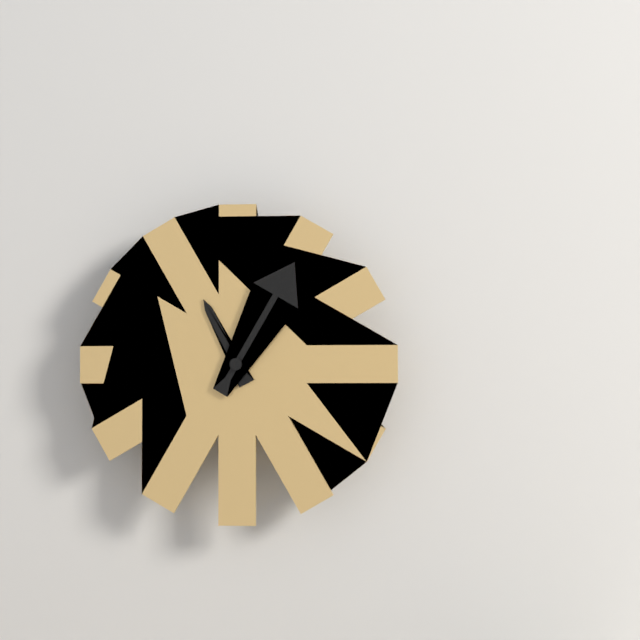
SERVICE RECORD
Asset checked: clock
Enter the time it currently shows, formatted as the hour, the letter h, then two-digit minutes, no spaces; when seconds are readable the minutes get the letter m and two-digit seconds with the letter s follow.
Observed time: 11h05
